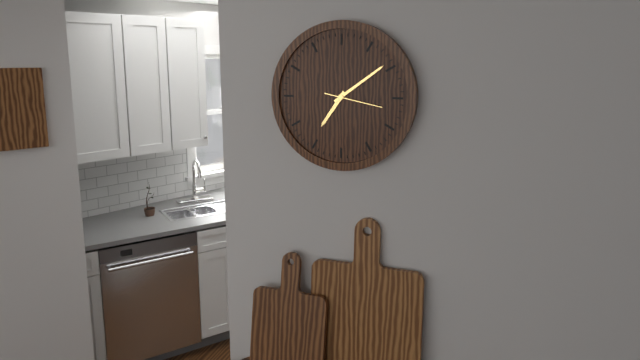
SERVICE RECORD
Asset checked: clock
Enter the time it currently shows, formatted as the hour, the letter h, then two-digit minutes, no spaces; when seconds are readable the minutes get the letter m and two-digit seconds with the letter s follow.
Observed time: 7h09m17s
